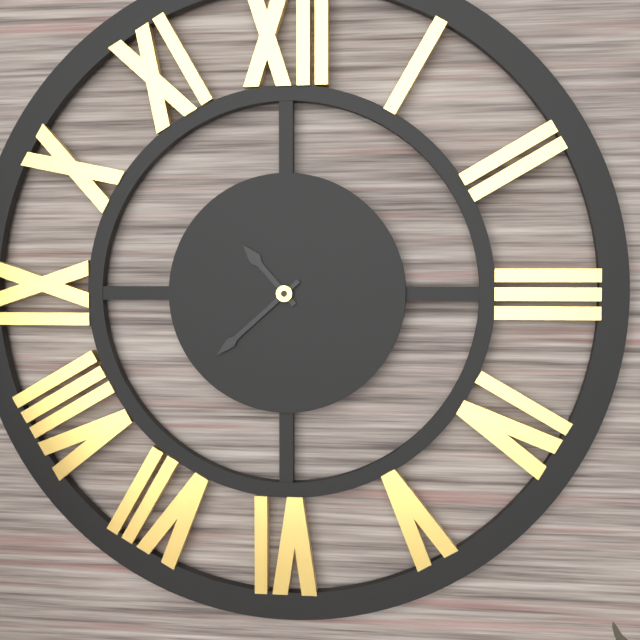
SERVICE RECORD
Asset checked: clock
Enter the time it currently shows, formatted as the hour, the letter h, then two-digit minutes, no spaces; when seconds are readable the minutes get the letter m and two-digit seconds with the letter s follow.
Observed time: 10h38
